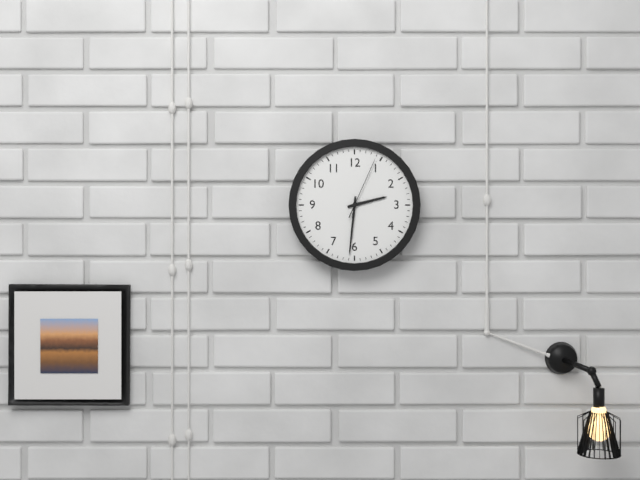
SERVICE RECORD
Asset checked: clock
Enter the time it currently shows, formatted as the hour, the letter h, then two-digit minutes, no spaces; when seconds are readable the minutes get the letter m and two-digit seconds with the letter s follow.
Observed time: 2h31m04s
